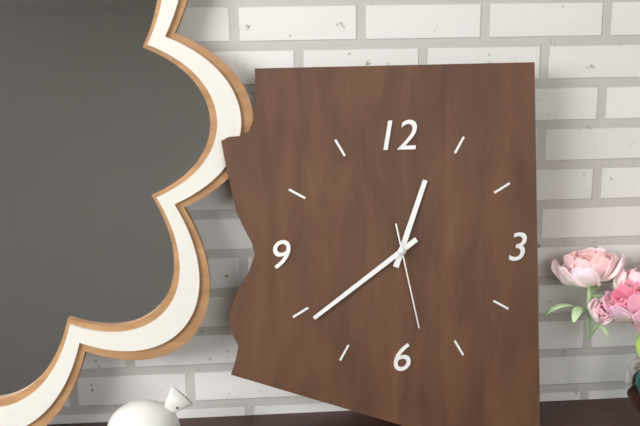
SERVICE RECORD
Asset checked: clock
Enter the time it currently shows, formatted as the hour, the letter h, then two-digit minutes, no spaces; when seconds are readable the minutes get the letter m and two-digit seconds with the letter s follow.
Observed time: 12h39m28s
